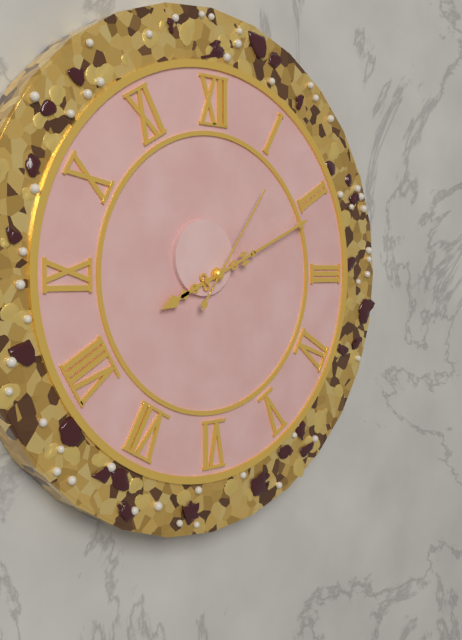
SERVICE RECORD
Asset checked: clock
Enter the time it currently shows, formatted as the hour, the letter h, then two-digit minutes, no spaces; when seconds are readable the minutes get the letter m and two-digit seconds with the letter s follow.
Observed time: 8h11m06s
